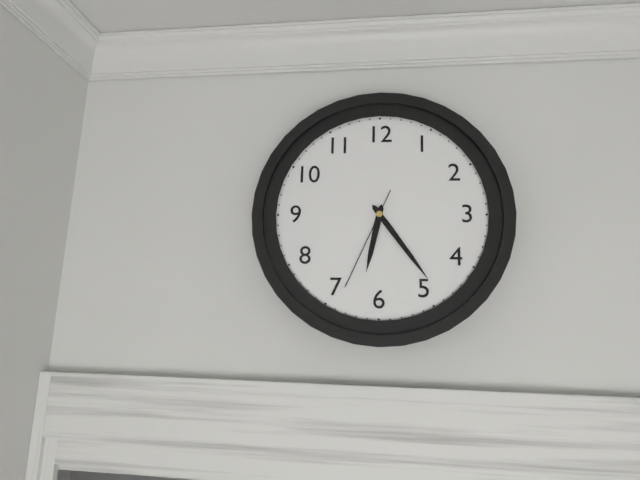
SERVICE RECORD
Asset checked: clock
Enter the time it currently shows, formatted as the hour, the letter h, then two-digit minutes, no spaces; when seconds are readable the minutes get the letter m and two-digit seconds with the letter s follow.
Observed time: 6h24m34s
